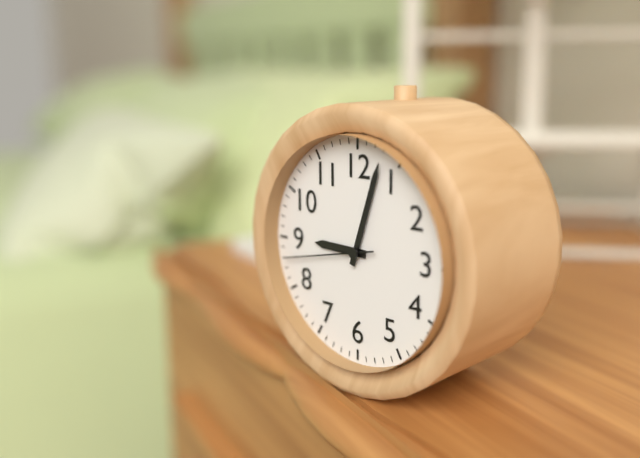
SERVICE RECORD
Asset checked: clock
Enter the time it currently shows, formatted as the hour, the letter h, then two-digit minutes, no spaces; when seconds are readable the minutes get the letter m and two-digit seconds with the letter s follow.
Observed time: 9h03m43s
